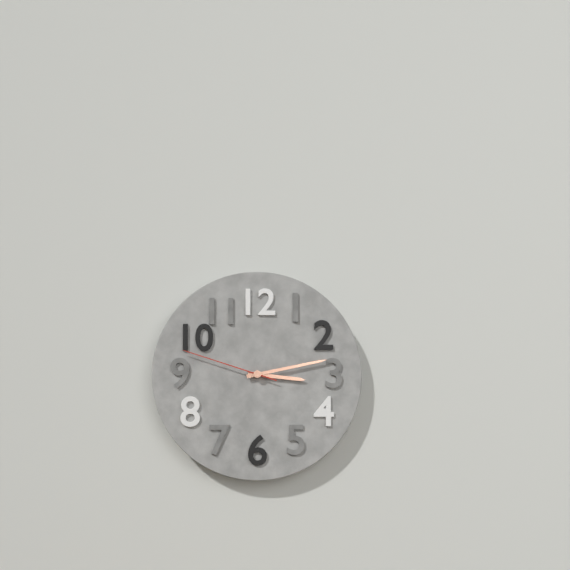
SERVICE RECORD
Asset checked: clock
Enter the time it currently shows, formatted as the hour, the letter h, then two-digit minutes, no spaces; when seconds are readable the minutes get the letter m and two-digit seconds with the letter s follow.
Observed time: 3h13m48s
